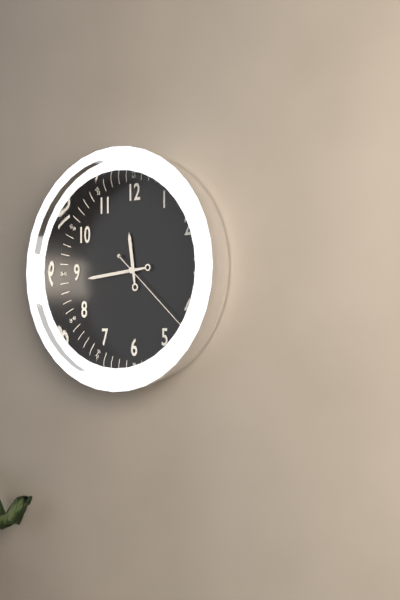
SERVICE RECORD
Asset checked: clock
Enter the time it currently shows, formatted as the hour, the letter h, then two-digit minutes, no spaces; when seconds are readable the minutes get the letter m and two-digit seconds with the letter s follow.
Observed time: 11h44m22s
